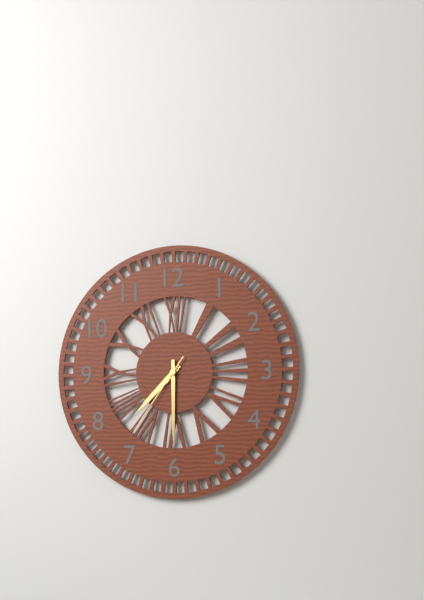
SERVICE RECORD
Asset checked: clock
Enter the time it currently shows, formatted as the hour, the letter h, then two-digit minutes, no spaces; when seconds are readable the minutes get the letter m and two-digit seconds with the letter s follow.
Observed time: 7h30m36s
